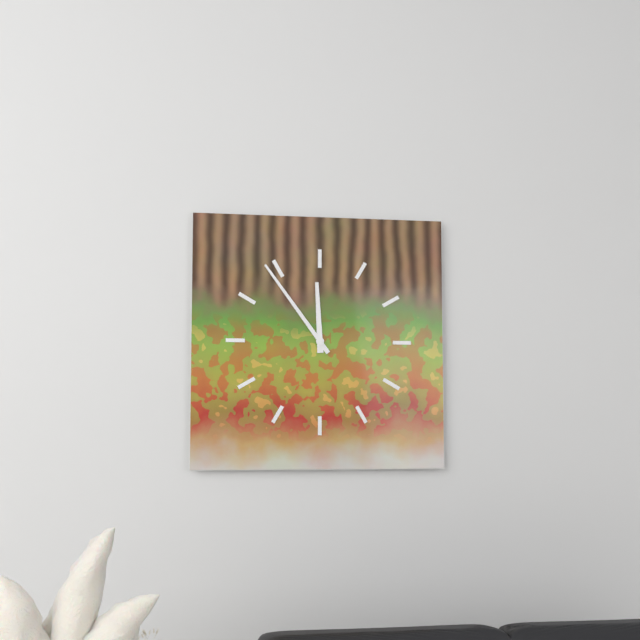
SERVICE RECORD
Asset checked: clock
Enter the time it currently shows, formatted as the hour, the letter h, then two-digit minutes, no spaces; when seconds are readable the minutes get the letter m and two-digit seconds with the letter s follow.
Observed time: 11h54
